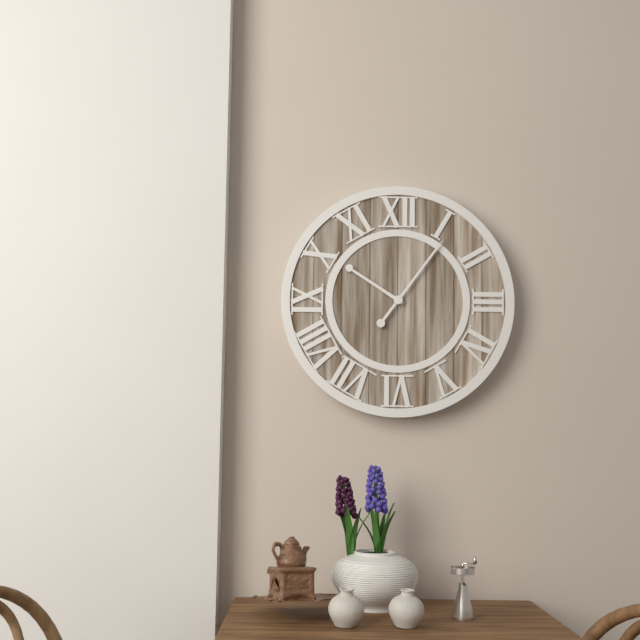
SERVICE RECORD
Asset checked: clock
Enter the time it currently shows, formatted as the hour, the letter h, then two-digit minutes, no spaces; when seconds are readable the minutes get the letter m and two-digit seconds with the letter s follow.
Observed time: 10h06
